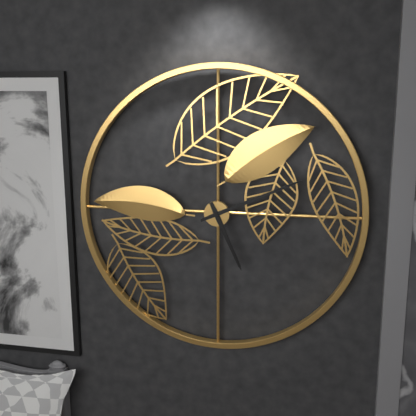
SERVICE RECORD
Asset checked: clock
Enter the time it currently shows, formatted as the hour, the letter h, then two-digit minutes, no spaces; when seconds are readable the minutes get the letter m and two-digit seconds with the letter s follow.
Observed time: 5h11
